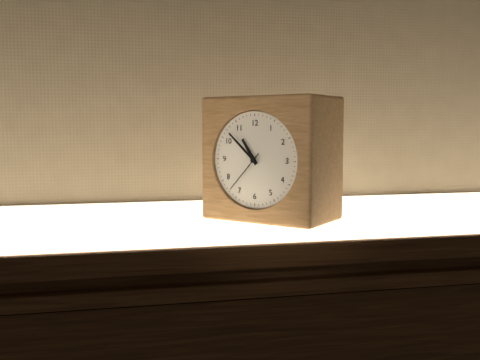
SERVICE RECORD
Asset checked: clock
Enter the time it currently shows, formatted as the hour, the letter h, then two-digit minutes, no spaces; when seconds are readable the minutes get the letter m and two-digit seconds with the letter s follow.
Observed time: 10h52
